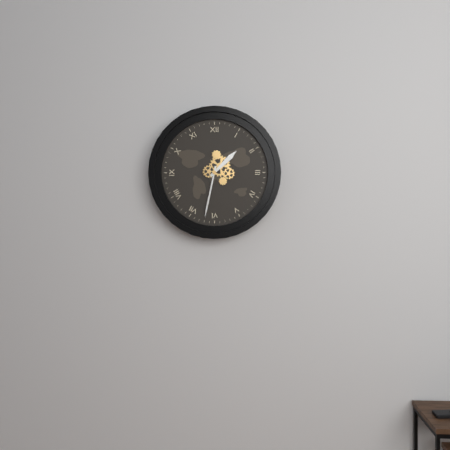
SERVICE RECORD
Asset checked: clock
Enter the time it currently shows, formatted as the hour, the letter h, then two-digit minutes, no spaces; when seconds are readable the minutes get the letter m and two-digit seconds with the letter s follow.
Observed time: 1h32
